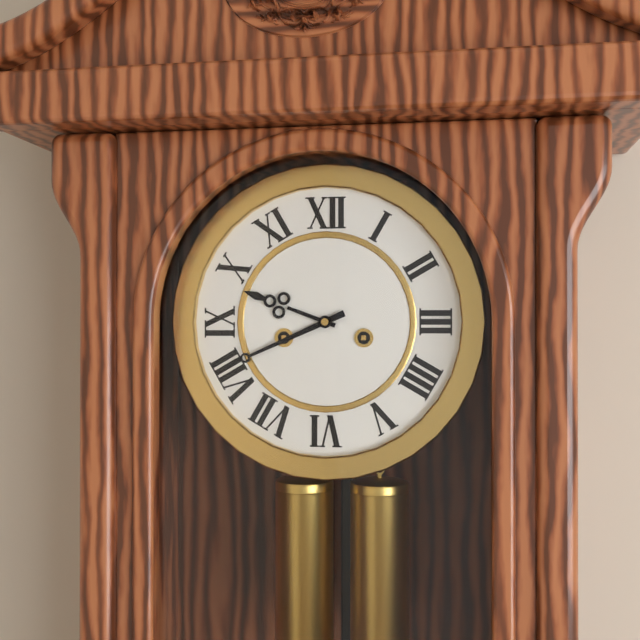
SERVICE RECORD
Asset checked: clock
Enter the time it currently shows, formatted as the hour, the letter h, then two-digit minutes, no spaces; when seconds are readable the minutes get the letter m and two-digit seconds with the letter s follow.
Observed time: 9h41
